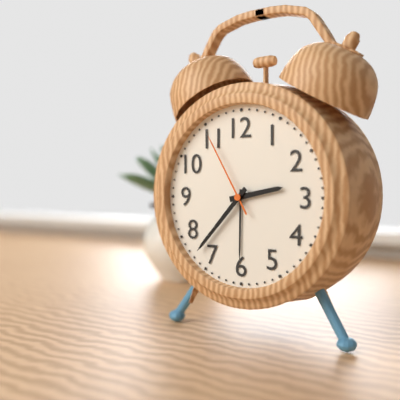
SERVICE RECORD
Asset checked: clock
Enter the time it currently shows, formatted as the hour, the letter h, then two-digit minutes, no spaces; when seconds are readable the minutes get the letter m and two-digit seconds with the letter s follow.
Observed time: 2h37m55s
